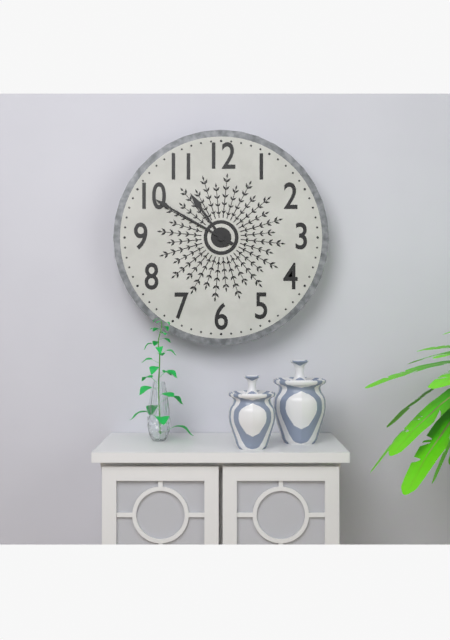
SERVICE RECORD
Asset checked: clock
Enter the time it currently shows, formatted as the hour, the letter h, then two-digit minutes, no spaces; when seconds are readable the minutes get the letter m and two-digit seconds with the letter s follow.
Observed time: 10h50
